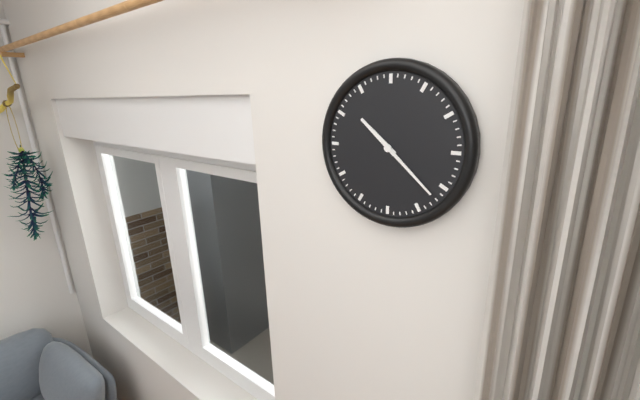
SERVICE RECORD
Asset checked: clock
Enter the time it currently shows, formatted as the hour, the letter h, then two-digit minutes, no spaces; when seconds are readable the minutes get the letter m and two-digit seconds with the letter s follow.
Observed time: 10h22
